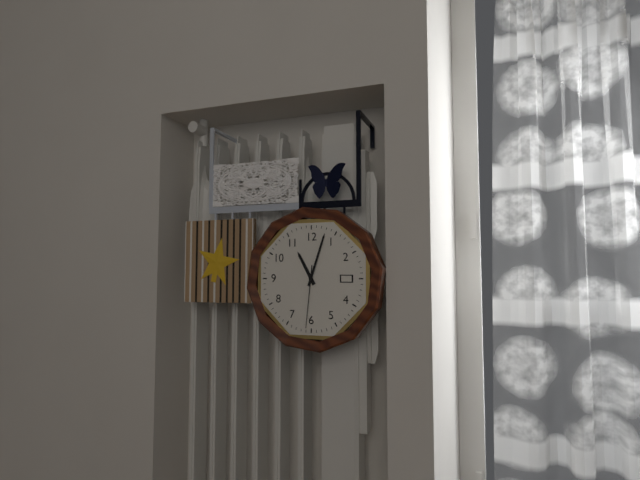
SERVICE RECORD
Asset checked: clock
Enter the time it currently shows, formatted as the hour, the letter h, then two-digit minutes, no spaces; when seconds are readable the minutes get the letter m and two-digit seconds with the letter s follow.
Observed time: 11h03m31s
